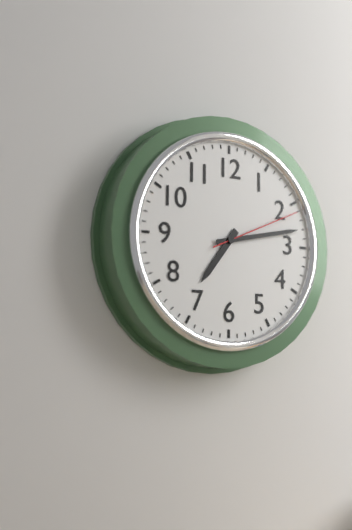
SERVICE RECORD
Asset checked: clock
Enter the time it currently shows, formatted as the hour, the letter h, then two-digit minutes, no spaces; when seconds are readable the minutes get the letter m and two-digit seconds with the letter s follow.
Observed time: 7h13m11s
